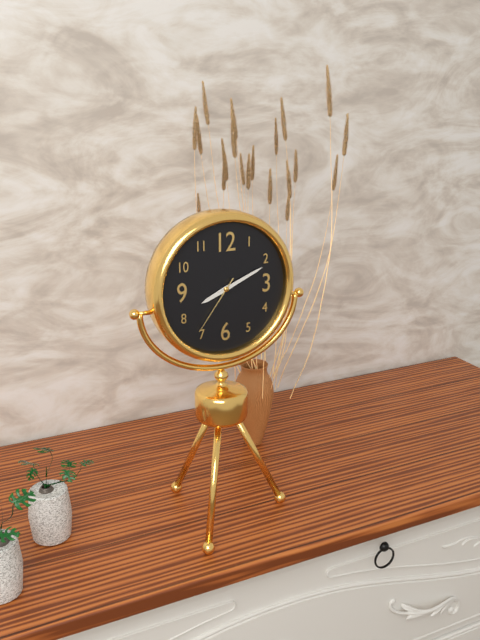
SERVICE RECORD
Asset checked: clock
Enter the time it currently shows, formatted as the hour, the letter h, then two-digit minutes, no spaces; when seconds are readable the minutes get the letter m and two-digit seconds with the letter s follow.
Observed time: 8h11m36s
